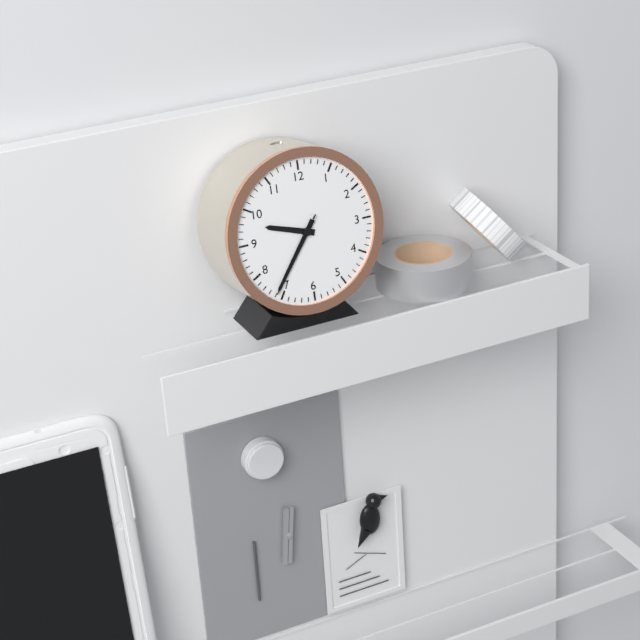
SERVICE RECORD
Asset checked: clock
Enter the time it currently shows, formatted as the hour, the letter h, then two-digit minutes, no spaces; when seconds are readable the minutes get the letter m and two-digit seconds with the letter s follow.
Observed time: 9h36m36s
